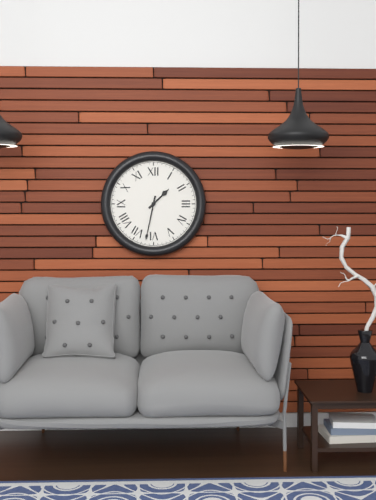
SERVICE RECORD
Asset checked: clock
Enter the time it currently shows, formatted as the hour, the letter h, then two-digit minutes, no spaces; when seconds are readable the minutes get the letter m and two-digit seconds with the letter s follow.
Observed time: 1h32
